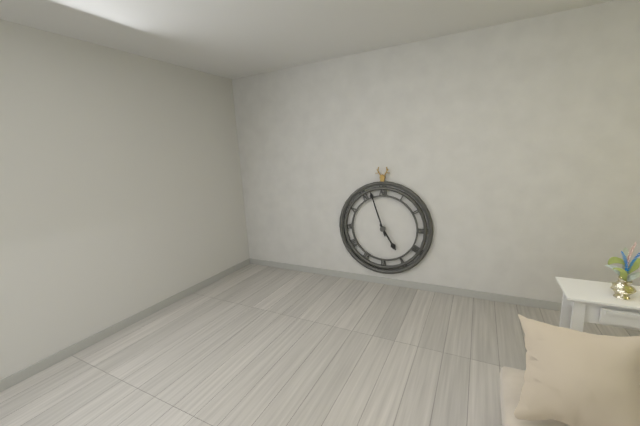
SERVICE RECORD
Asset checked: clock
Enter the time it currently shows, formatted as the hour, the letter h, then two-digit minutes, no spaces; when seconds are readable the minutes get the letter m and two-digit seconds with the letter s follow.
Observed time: 4h57
